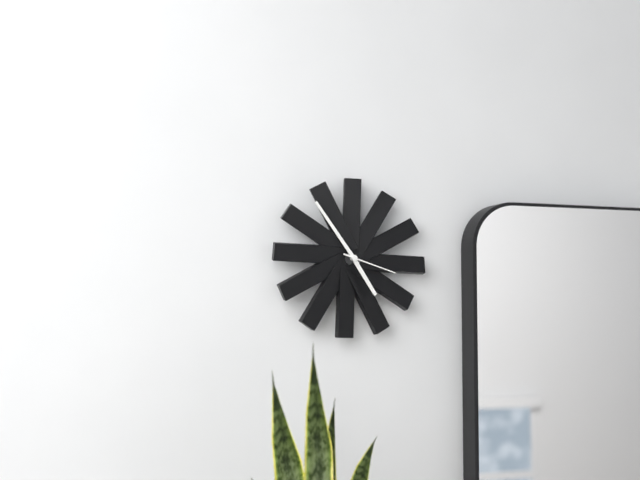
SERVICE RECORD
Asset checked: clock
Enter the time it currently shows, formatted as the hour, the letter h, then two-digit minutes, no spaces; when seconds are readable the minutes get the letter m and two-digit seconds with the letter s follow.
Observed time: 4h54m18s
